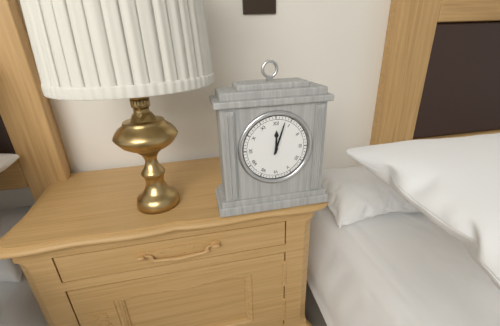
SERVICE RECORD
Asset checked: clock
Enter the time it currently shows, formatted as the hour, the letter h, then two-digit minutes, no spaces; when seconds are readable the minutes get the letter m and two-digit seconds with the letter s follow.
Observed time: 12h03
